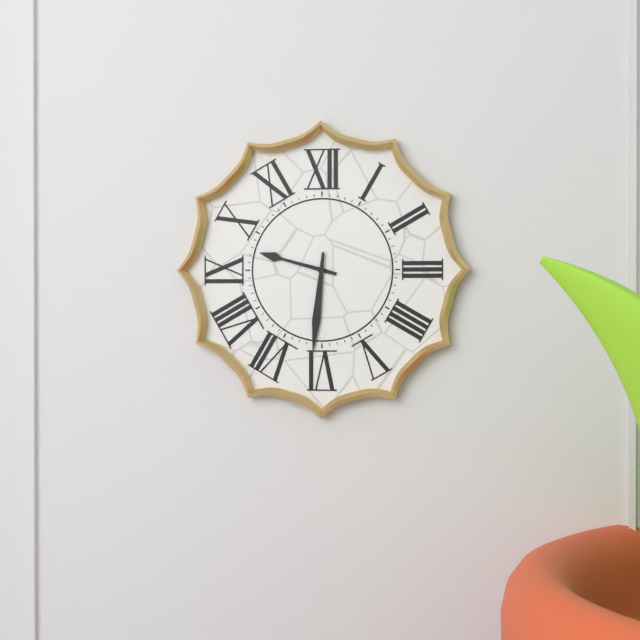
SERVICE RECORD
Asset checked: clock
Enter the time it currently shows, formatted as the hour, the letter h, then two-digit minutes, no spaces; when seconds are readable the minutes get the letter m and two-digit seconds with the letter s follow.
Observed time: 9h31
